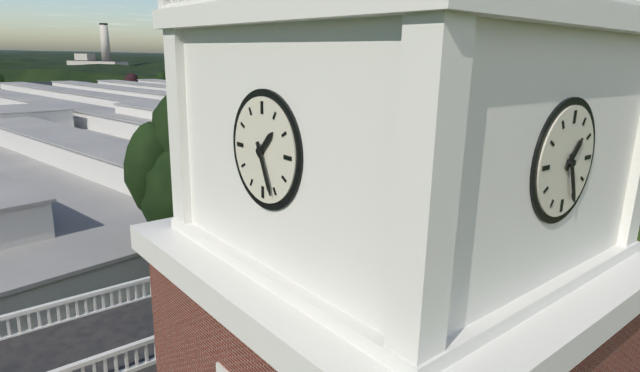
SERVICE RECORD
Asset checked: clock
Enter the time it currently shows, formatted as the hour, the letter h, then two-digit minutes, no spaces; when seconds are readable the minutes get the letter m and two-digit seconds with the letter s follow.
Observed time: 1h26
